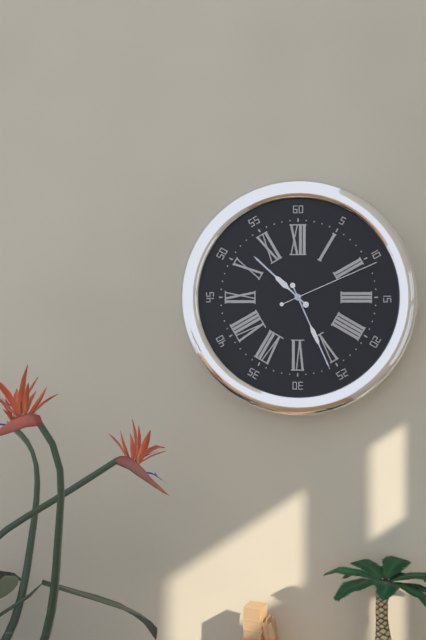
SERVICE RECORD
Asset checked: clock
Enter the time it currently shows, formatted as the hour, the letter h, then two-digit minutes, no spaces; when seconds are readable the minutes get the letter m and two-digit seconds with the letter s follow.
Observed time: 10h26m11s
